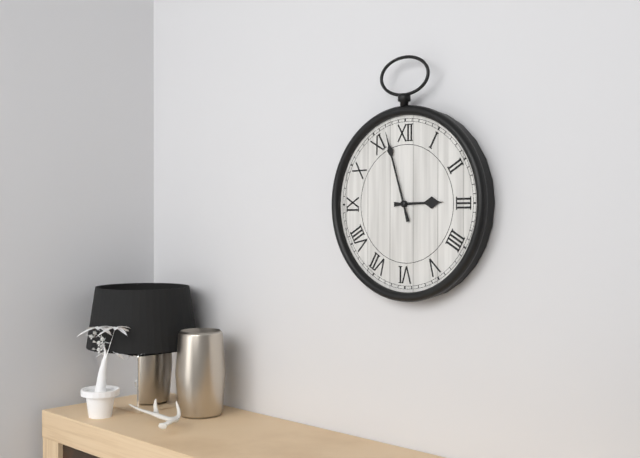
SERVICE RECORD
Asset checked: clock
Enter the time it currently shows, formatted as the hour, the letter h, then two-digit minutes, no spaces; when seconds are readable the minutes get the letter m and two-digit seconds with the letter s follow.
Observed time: 2h57
